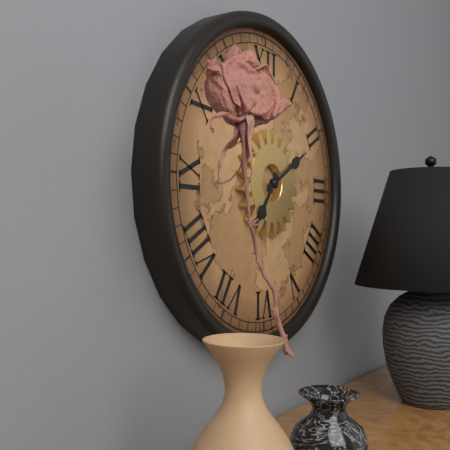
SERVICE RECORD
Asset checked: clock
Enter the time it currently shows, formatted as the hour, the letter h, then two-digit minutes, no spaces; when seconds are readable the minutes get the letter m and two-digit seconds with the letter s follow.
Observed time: 7h10
